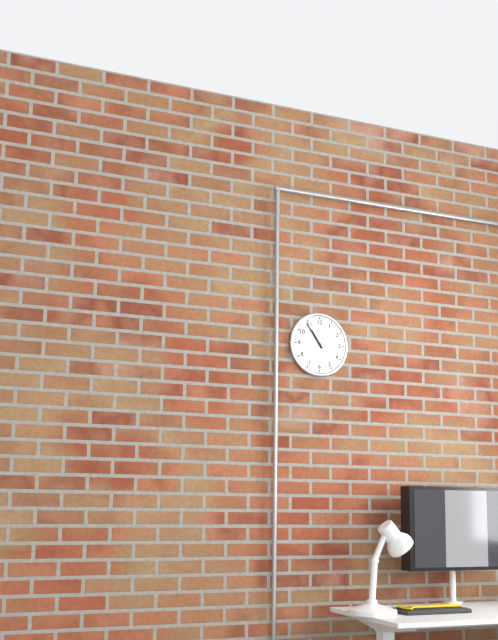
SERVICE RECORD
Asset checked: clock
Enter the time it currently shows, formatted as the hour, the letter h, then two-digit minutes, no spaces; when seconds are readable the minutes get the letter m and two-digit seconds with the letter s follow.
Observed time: 10h54
